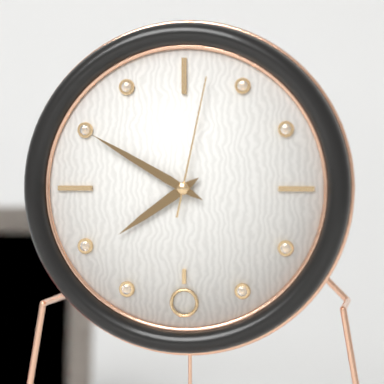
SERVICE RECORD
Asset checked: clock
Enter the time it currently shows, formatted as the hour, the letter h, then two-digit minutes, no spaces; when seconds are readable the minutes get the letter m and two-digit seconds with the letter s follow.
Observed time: 7h50m02s
